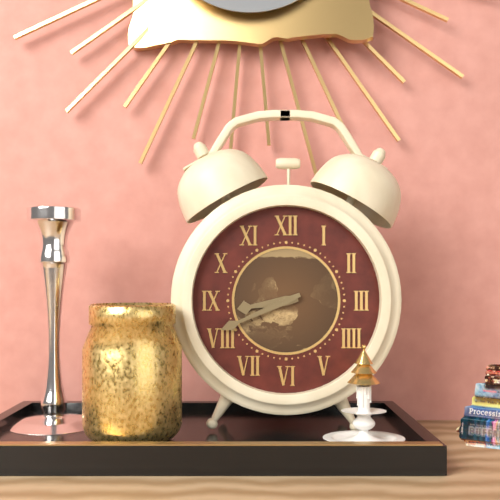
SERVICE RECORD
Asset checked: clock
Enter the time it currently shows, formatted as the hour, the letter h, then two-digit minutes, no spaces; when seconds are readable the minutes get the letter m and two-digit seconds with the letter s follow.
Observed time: 8h41
